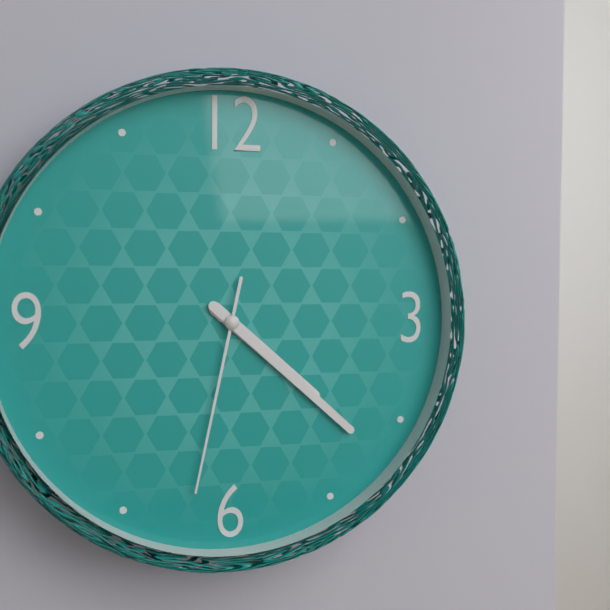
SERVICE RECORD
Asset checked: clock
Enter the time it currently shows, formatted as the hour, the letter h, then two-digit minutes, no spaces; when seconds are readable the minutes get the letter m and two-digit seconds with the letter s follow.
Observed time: 4h22m32s
